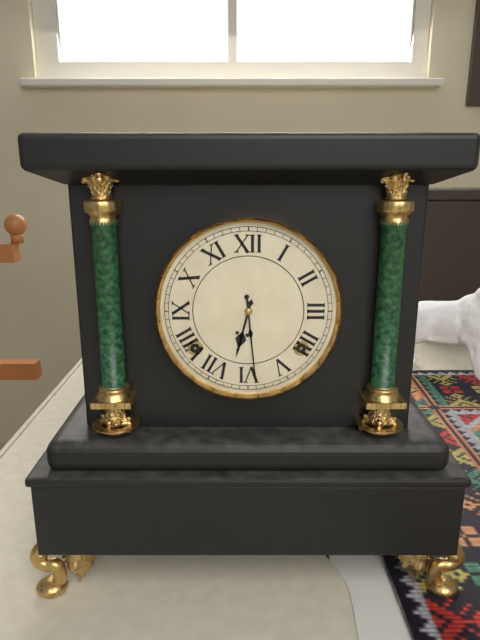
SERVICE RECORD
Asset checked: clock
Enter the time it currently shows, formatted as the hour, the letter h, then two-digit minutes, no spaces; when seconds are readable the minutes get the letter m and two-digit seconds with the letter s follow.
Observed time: 6h29
